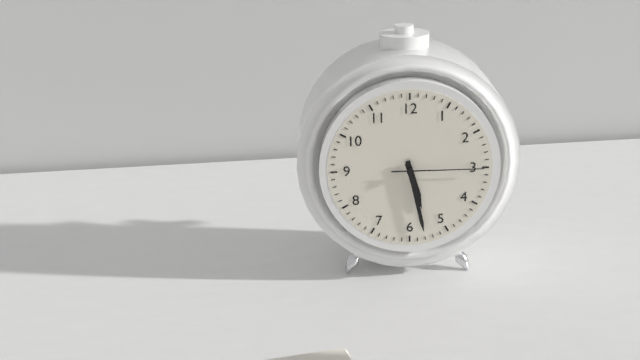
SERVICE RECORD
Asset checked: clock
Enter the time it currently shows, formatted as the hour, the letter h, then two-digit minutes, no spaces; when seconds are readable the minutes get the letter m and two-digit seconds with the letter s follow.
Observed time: 5h28m15s
